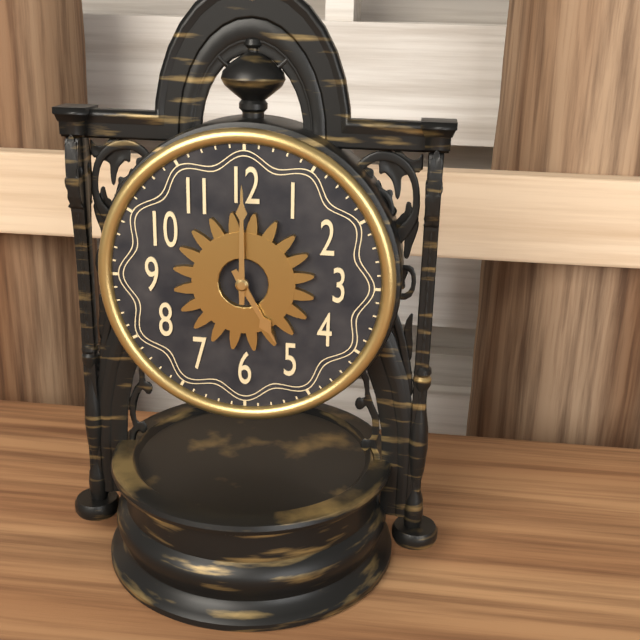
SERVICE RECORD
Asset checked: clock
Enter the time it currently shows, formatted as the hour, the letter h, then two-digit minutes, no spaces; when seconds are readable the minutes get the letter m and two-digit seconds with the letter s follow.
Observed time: 5h00
